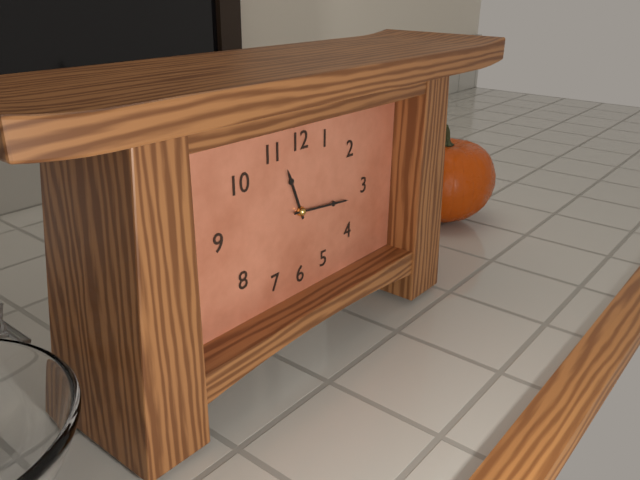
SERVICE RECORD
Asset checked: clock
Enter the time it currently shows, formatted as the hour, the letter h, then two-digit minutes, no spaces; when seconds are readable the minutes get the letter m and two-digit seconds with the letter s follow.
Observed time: 11h16
